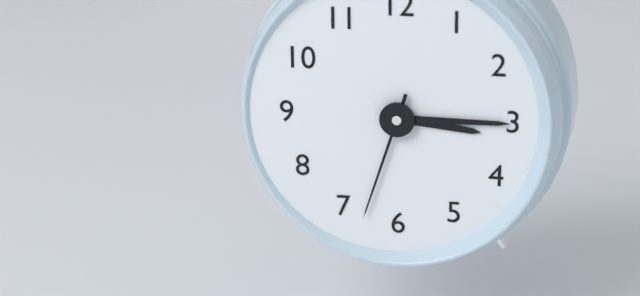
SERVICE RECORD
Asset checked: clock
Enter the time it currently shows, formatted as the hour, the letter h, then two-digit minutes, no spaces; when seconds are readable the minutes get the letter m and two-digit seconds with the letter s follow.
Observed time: 3h15m33s
